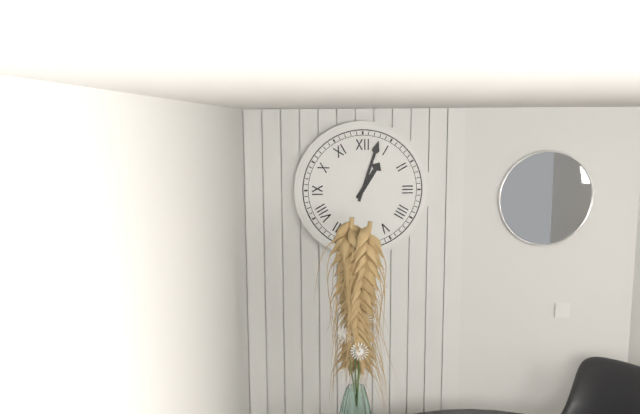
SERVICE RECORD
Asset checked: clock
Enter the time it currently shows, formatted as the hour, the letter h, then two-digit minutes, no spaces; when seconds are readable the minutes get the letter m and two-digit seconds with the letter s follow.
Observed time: 1h03
